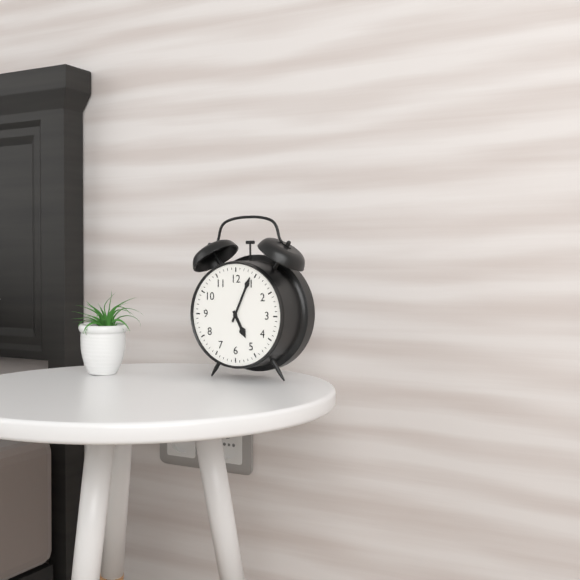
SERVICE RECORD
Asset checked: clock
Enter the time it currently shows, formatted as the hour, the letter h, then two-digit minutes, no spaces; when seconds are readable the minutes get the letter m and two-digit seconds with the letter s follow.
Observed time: 5h04
